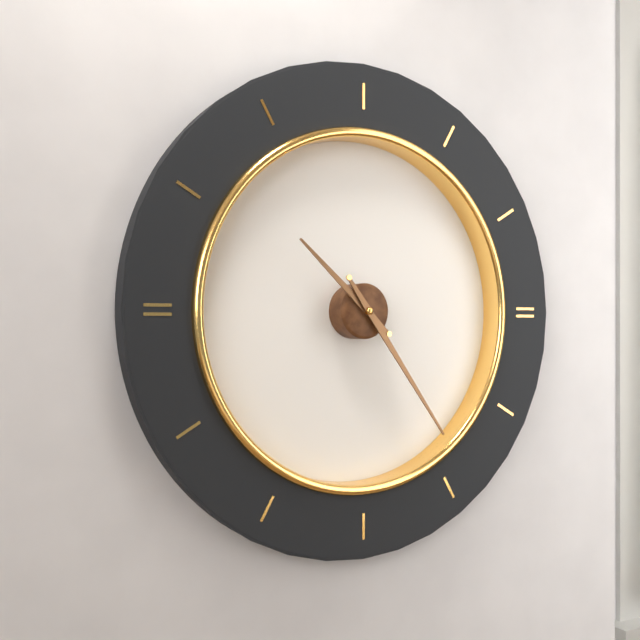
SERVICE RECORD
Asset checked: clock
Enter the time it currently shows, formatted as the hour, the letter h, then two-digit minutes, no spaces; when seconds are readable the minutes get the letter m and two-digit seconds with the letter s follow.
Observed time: 10h24
